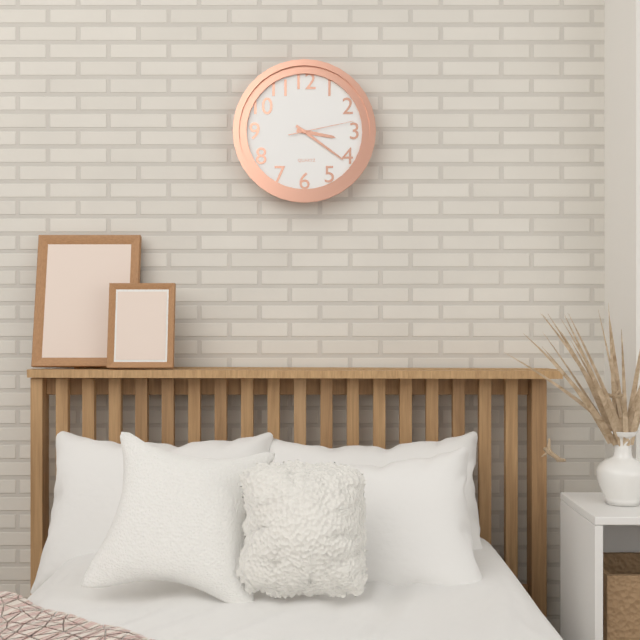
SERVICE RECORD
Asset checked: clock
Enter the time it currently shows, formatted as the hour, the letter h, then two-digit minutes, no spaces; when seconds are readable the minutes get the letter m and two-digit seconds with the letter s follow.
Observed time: 3h21m13s
